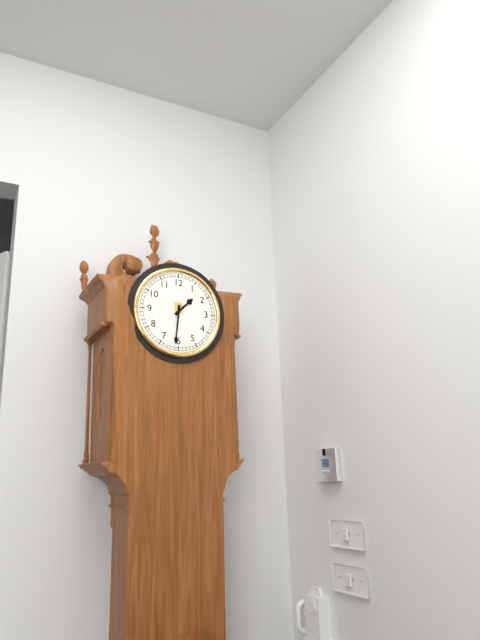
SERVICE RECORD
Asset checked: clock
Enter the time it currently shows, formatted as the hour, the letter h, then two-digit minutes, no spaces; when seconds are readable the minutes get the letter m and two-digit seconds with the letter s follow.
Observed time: 1h31
